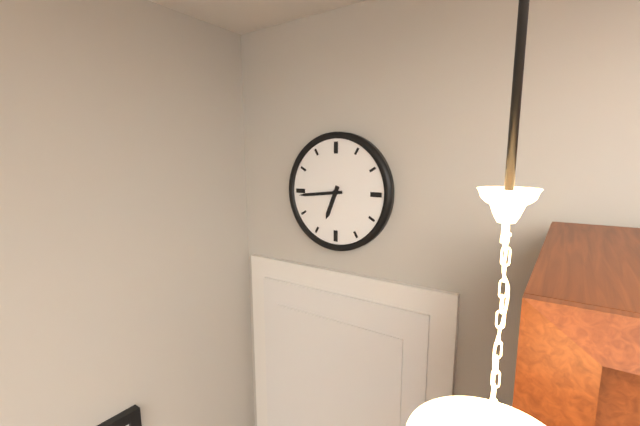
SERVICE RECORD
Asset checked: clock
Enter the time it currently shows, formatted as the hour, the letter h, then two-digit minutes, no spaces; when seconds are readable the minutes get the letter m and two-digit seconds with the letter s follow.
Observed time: 6h44
